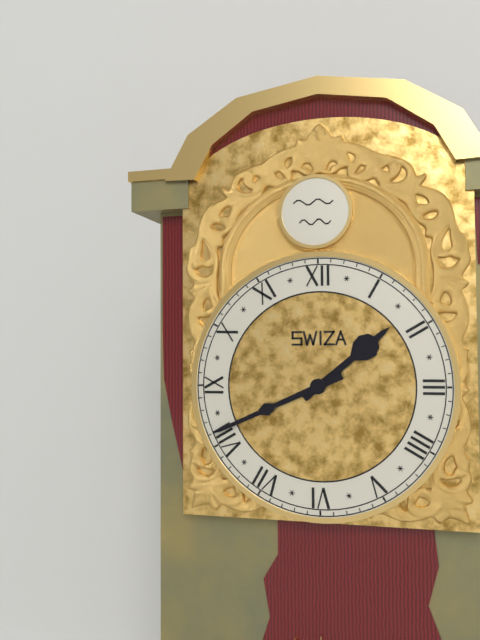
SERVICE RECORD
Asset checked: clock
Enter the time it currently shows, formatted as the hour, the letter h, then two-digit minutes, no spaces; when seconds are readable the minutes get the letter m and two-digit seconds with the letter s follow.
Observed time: 1h41
